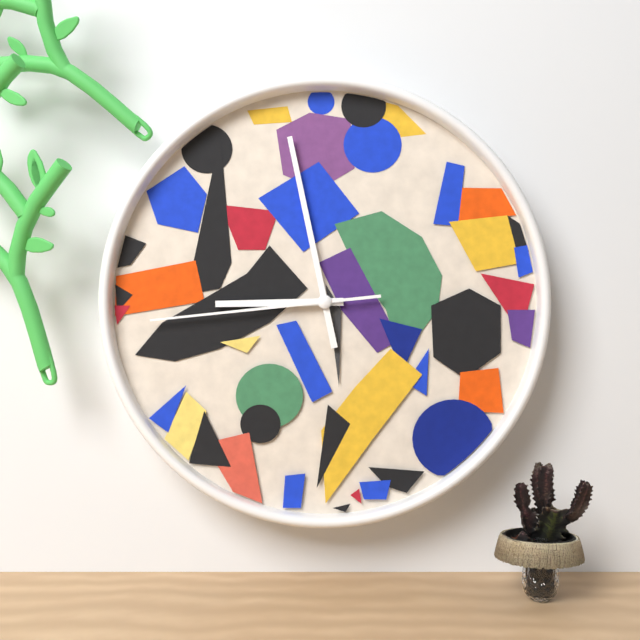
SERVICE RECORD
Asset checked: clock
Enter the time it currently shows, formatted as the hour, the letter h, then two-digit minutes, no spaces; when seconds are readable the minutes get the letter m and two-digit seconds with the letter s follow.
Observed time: 8h58m44s
